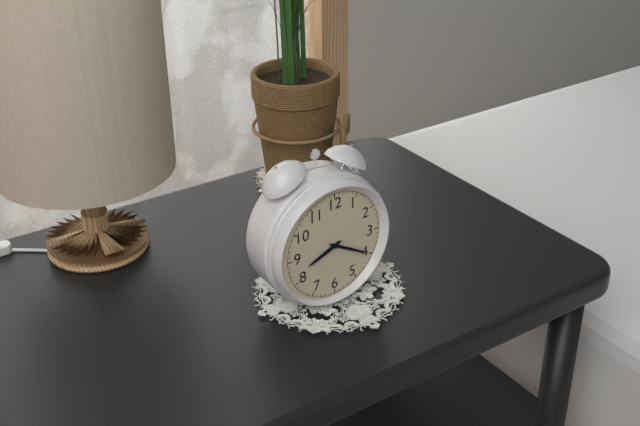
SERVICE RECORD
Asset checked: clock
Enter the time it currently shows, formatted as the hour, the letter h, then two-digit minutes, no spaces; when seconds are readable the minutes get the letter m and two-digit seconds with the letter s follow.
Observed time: 8h20
